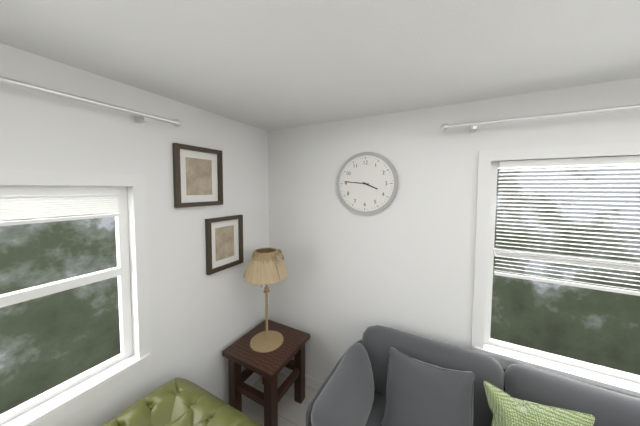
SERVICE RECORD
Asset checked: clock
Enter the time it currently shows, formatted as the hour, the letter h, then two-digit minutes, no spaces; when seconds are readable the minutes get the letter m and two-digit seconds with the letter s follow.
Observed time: 3h46
